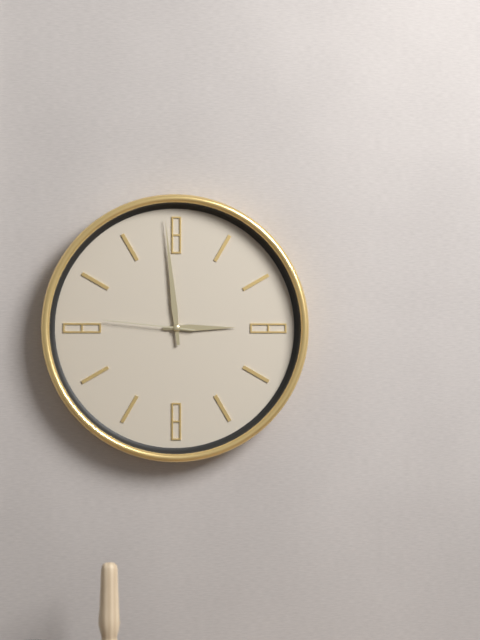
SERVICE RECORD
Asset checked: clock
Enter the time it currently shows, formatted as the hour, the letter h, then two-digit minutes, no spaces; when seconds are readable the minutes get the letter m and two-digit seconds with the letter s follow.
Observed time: 2h59m46s
